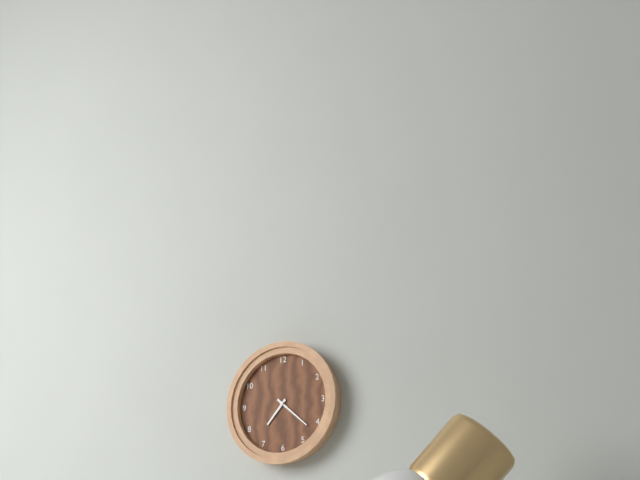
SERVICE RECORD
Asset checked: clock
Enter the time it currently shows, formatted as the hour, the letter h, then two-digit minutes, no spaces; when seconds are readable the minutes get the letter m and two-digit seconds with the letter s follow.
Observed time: 7h22
